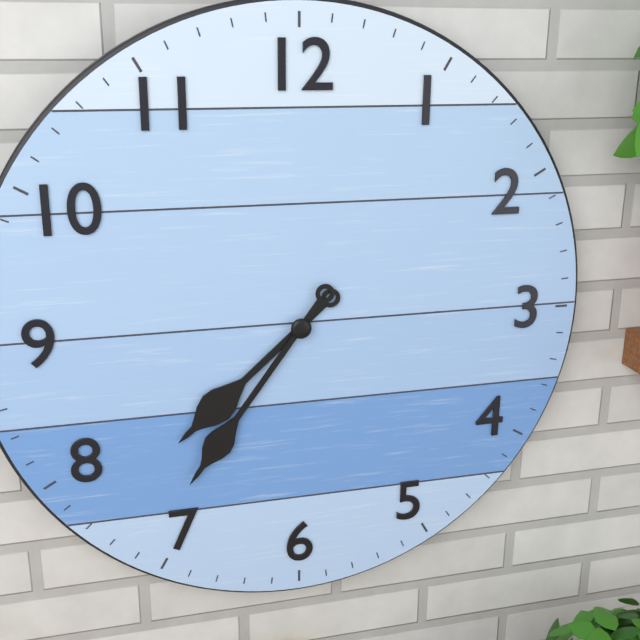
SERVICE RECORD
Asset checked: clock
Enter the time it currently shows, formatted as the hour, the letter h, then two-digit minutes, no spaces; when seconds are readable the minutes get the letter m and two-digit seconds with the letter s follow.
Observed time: 7h36
